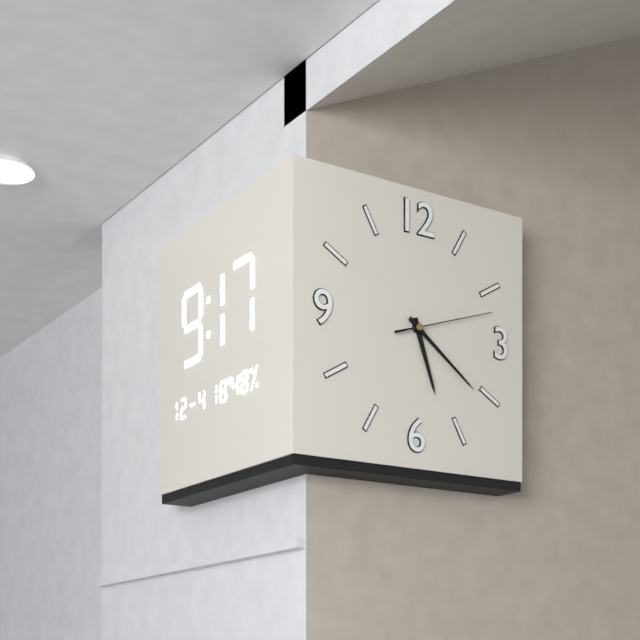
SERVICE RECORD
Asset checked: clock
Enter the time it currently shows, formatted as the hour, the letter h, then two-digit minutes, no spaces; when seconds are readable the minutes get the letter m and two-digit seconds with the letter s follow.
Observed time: 5h21m12s
